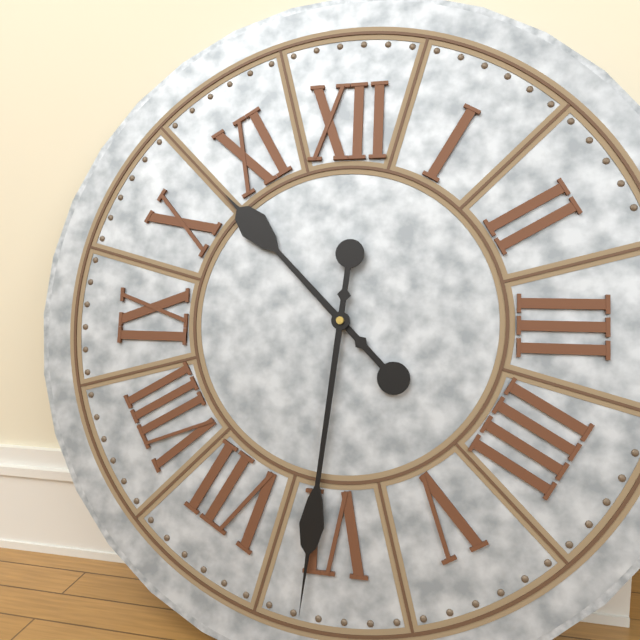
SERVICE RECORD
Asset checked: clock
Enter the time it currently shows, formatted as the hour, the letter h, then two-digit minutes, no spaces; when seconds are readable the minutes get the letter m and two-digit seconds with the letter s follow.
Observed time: 10h31
